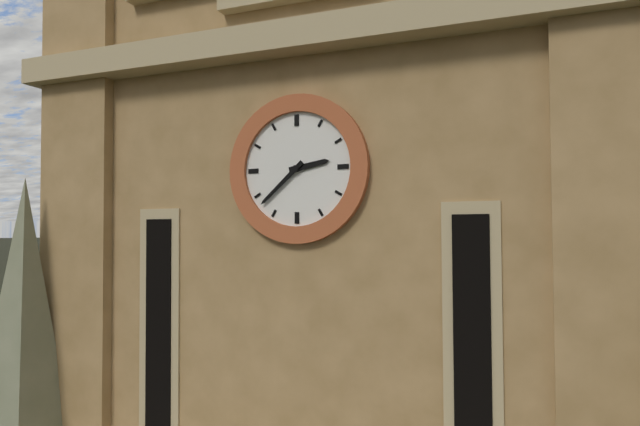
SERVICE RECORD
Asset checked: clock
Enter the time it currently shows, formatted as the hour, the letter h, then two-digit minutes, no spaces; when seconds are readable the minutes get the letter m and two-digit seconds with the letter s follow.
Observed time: 2h38
